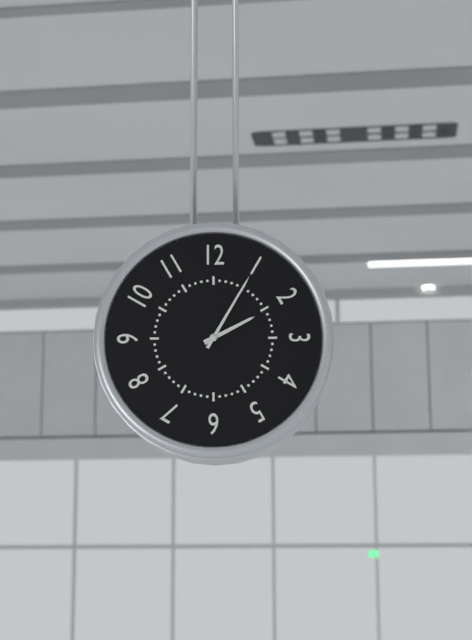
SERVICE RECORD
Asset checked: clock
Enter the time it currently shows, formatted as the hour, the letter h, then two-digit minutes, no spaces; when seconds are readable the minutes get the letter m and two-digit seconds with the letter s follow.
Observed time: 2h05
